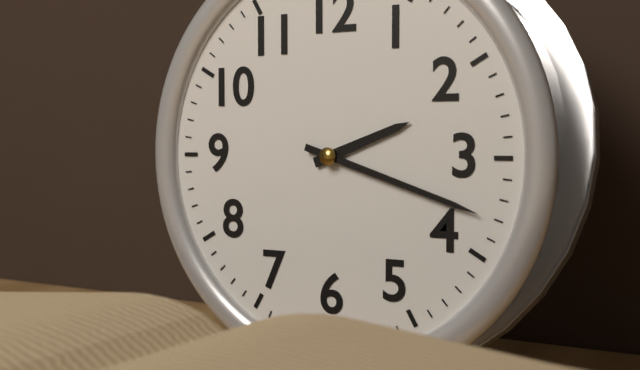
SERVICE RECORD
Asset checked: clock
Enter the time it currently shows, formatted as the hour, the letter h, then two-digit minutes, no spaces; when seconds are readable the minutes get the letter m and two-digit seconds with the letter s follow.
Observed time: 2h18
